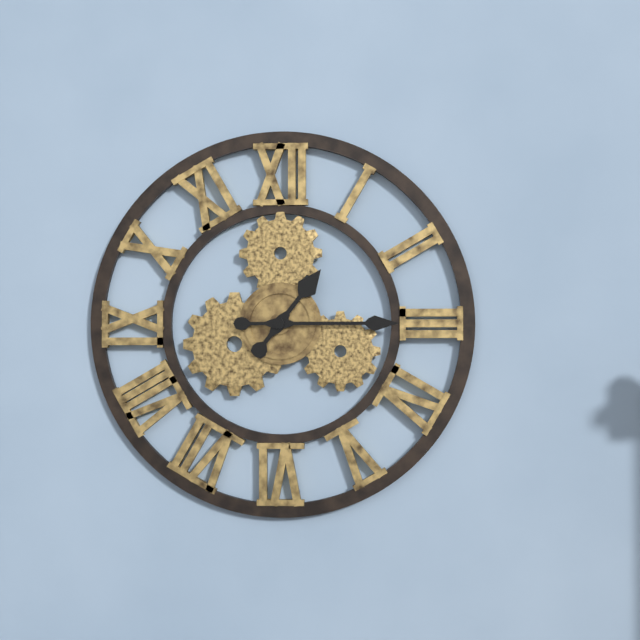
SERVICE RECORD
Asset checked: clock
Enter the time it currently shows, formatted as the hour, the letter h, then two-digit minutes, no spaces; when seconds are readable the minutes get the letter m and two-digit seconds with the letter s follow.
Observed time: 1h15
